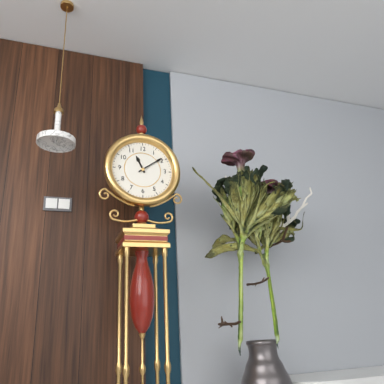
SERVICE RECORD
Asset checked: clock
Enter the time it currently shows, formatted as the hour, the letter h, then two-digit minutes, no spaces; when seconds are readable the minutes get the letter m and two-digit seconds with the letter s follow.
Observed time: 11h09
